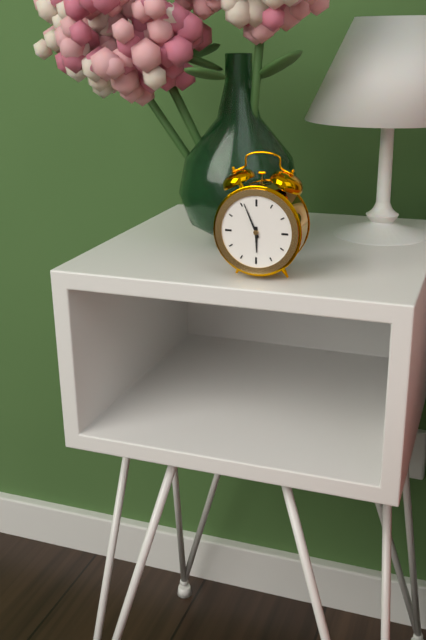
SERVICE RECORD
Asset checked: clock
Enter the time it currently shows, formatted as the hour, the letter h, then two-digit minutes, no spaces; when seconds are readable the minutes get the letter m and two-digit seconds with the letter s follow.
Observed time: 5h56
